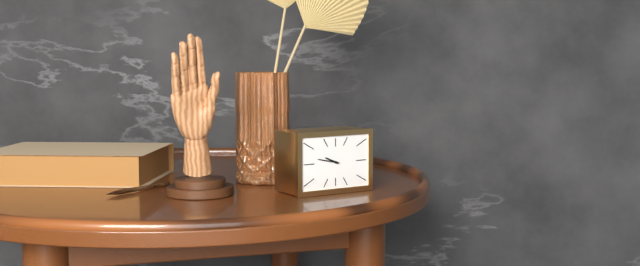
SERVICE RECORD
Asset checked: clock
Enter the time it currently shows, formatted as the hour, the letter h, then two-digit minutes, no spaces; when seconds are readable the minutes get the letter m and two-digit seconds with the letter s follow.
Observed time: 9h47
